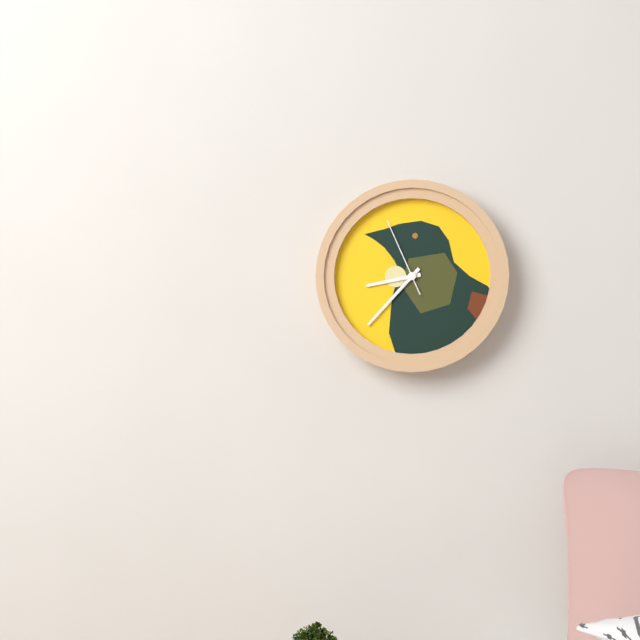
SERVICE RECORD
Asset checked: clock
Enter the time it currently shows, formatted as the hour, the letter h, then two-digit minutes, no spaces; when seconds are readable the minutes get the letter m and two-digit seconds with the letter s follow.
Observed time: 8h37m56s
